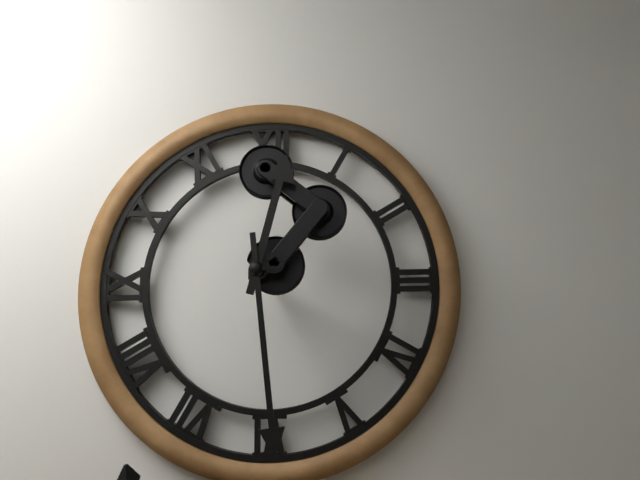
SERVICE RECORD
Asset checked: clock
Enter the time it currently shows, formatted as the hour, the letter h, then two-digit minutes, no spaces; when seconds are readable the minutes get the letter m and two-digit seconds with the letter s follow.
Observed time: 12h29
